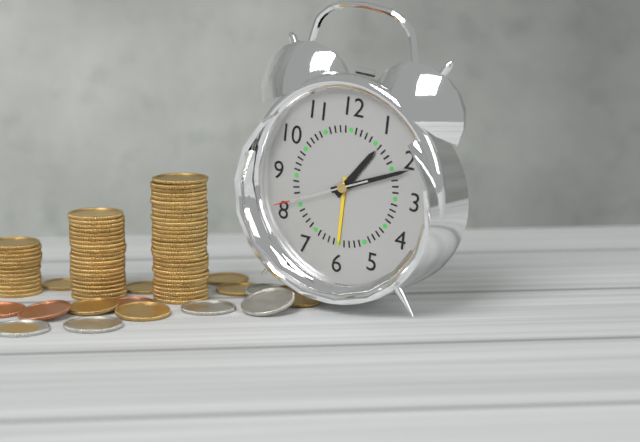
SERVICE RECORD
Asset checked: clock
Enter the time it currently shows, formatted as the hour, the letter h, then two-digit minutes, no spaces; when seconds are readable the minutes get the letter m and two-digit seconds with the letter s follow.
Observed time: 1h11m41s
